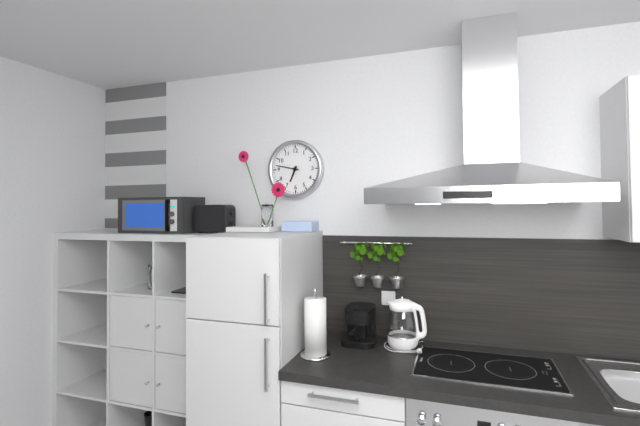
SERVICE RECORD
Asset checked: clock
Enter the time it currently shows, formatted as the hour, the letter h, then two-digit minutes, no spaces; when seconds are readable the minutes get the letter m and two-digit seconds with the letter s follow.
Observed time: 6h47
